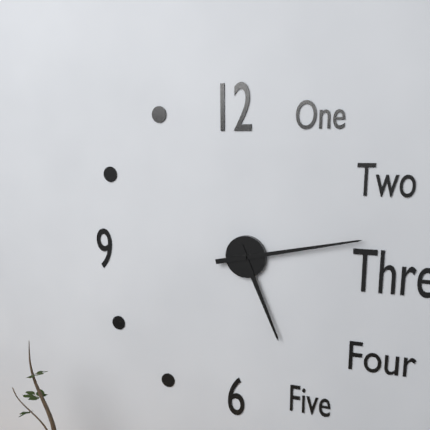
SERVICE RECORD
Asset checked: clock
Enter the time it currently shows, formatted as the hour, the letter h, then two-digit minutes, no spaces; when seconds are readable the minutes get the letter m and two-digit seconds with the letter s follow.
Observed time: 5h13
